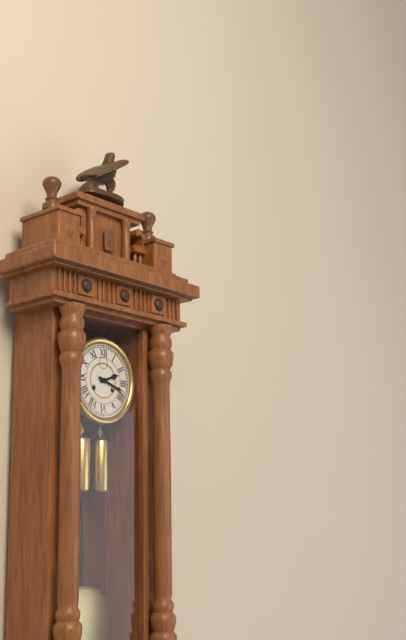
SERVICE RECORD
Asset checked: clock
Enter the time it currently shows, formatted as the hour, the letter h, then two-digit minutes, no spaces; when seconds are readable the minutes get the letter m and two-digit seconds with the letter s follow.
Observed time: 2h18
